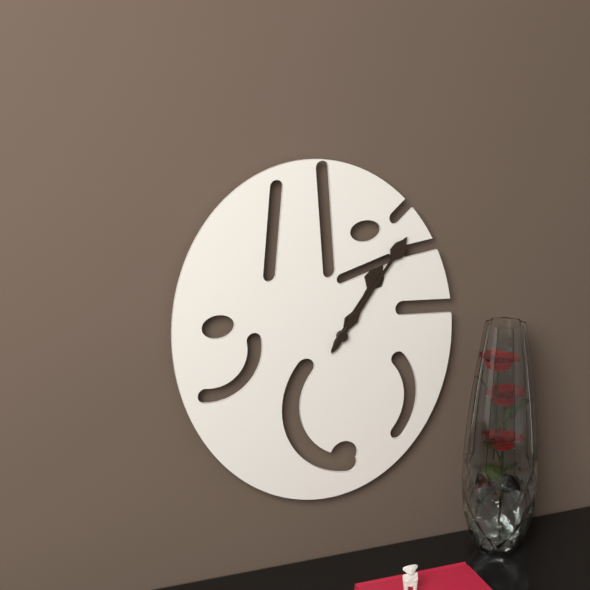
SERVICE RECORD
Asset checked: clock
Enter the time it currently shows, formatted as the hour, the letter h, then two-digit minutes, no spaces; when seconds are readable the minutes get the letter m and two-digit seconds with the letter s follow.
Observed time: 1h06
